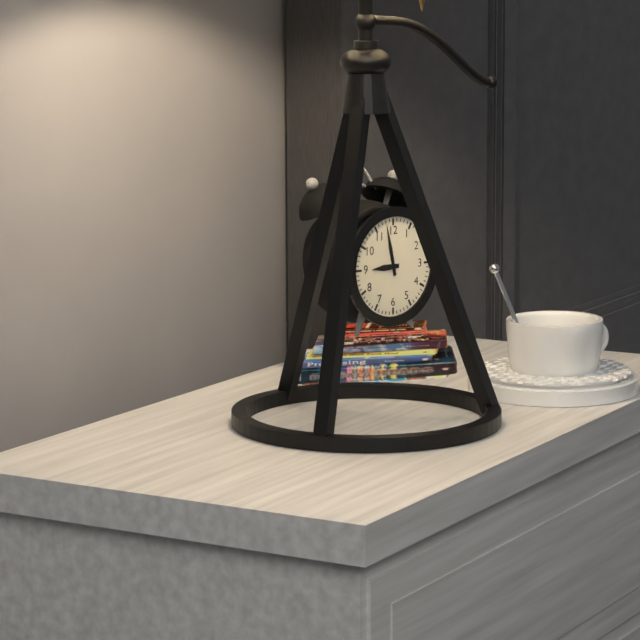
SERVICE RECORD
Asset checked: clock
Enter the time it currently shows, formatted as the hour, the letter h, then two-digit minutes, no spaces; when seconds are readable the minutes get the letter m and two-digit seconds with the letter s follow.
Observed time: 8h58
